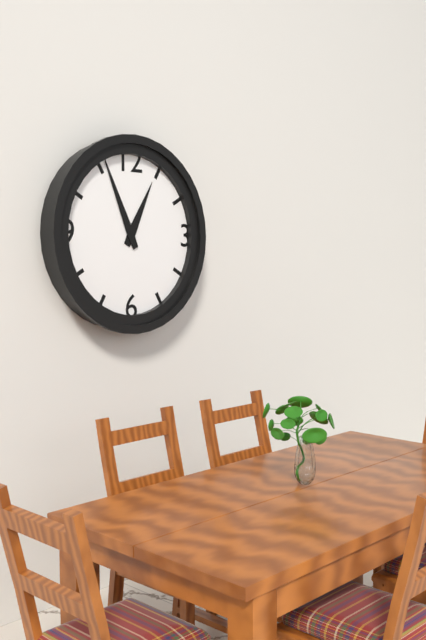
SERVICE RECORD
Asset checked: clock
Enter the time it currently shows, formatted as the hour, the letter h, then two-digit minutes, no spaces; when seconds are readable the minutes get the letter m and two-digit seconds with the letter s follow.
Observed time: 12h56
